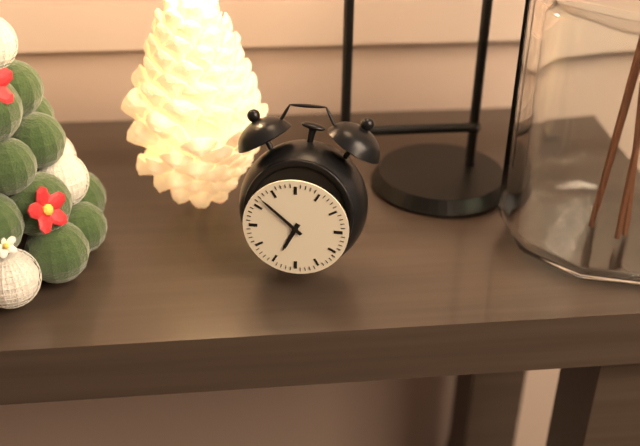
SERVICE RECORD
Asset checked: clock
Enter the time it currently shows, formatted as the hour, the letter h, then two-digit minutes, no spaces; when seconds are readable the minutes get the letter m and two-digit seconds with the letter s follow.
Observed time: 6h52
